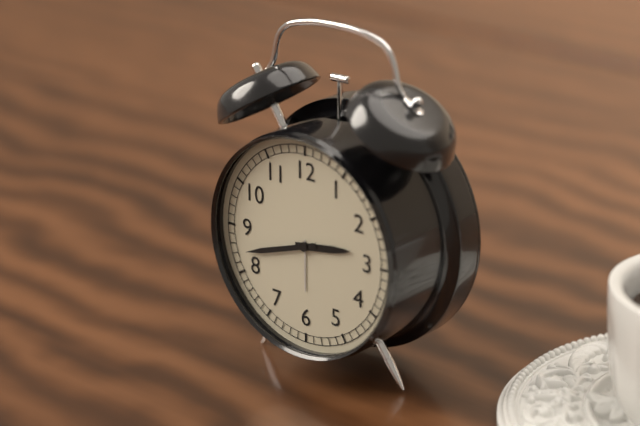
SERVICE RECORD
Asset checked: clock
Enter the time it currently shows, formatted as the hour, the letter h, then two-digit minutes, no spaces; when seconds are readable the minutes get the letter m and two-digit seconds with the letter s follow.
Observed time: 2h42
